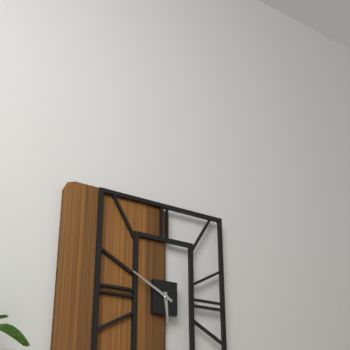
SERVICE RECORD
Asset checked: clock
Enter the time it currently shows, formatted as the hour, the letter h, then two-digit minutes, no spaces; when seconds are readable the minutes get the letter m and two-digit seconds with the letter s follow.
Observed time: 5h50
